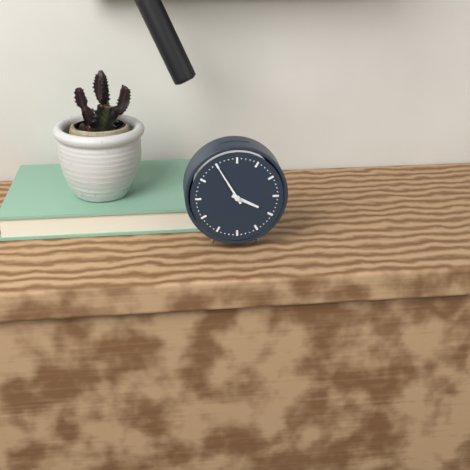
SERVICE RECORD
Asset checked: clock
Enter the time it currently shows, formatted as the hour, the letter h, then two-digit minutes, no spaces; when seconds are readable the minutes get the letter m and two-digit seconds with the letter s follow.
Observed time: 3h55
